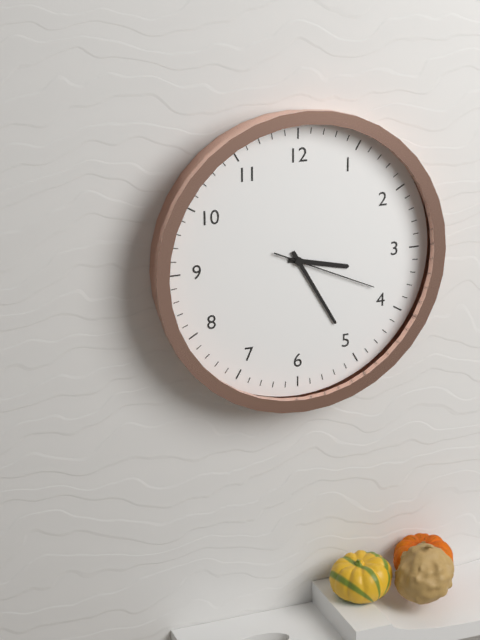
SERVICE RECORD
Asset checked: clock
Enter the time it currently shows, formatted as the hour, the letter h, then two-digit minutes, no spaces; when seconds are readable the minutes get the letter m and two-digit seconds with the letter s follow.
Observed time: 3h25m19s
